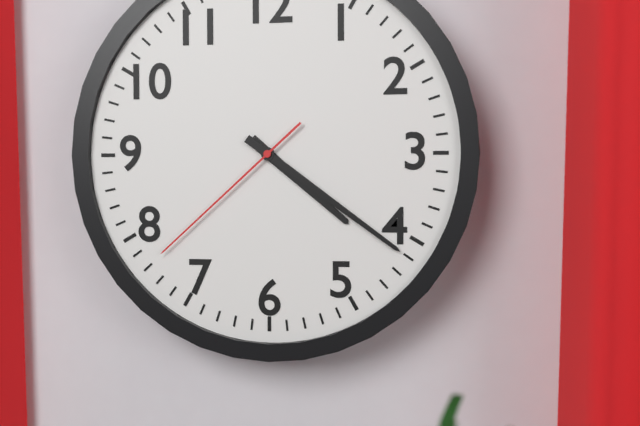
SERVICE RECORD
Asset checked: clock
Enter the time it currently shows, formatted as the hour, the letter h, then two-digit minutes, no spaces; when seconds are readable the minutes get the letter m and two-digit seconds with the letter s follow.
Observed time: 4h21m38s
